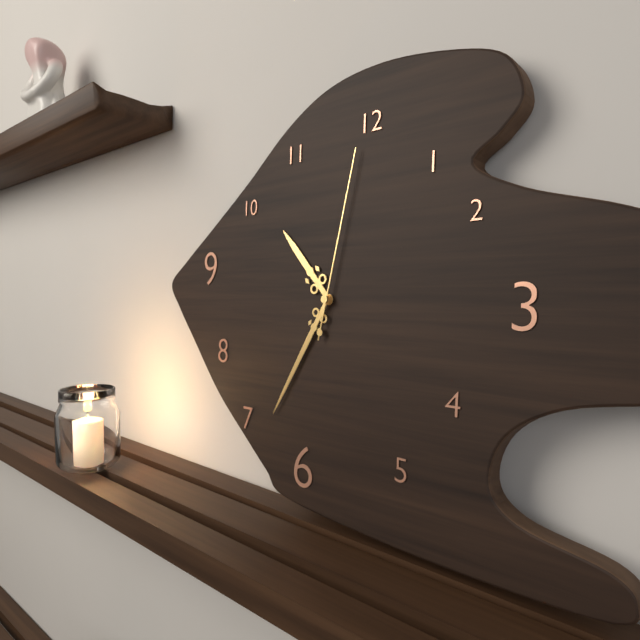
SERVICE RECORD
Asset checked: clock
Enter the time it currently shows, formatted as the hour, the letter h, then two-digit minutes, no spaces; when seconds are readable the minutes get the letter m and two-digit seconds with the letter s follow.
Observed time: 10h35m02s
